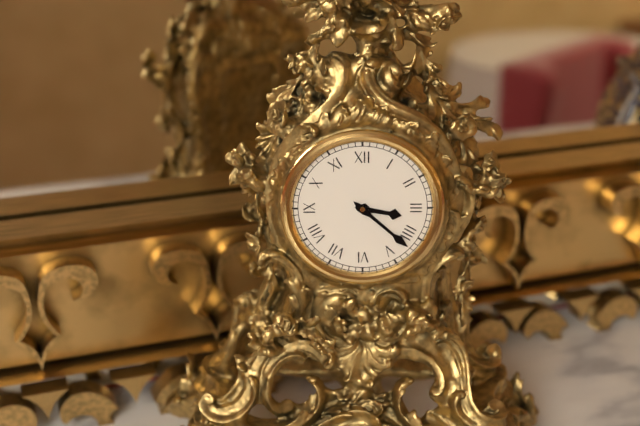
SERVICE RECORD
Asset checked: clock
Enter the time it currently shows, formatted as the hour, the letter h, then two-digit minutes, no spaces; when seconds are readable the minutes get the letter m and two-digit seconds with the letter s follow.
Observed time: 3h22
